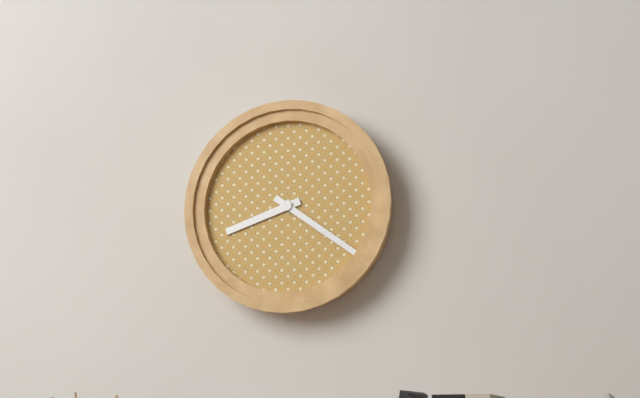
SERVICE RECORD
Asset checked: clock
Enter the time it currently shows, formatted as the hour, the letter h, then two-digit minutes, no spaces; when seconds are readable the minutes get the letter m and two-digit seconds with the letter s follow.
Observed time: 8h21
